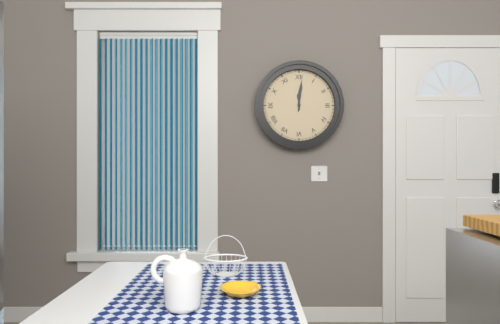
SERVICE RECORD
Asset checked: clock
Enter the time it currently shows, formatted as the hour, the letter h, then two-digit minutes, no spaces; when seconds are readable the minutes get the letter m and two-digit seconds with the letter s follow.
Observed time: 12h01
